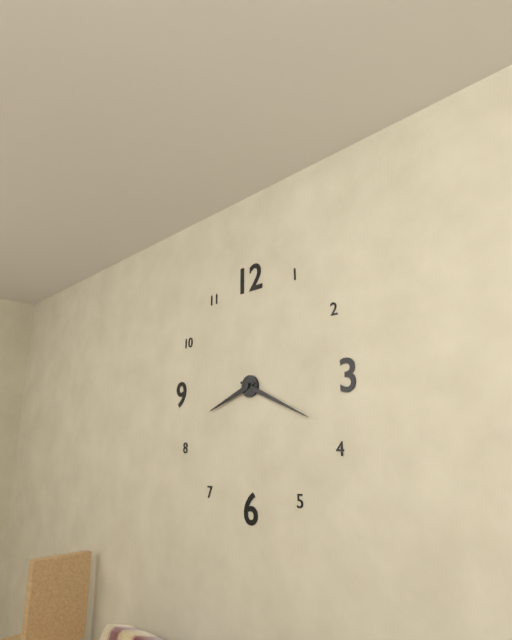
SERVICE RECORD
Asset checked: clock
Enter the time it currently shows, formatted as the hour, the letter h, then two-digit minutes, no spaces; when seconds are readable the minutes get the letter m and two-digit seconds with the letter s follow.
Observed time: 8h19
